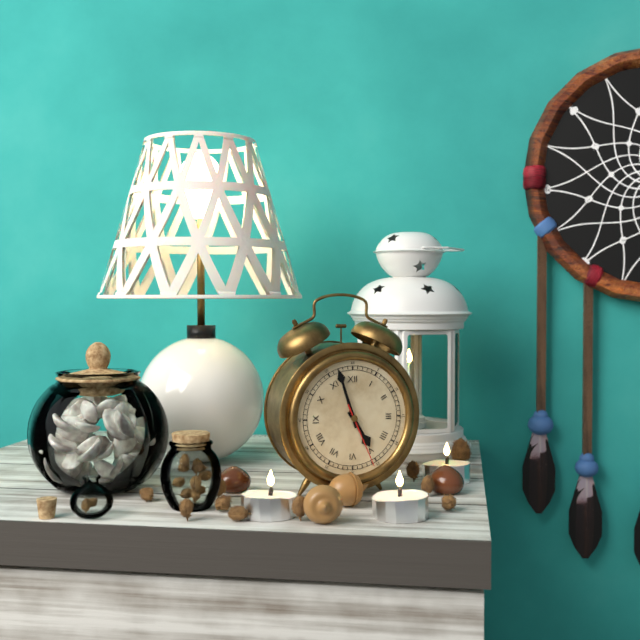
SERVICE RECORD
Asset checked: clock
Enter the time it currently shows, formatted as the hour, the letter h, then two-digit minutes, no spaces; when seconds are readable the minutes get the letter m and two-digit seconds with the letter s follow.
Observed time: 4h57m26s
